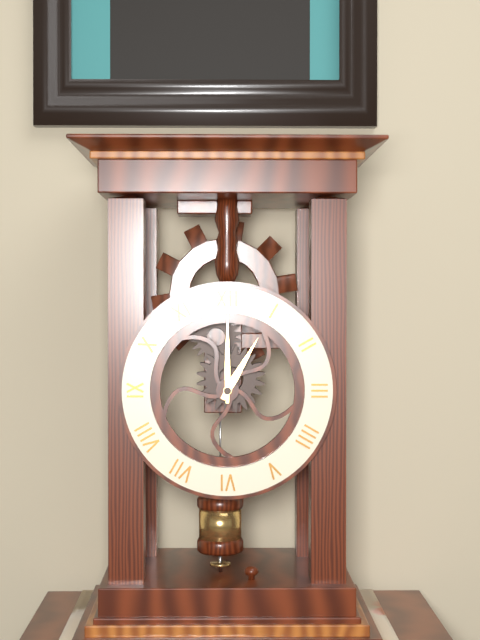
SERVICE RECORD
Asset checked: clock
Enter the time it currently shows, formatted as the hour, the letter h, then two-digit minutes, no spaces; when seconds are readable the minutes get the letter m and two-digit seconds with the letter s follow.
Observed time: 1h00
